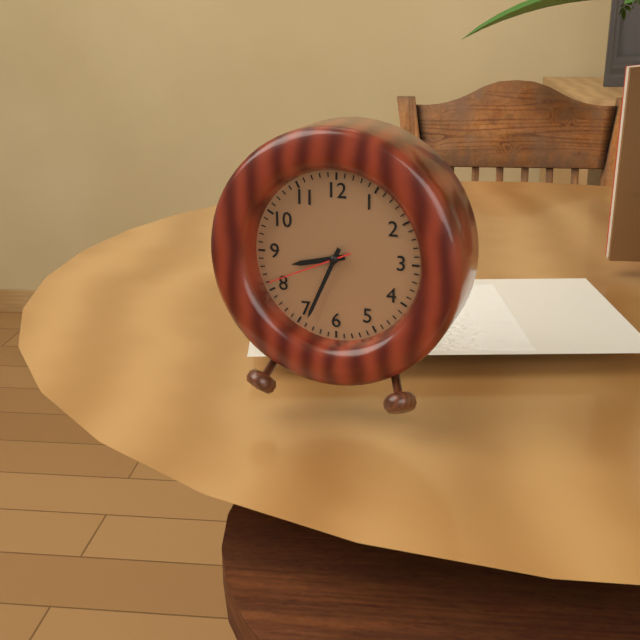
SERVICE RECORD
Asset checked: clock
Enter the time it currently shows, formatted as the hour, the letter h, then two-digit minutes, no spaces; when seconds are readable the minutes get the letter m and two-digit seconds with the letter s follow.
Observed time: 8h34m41s
